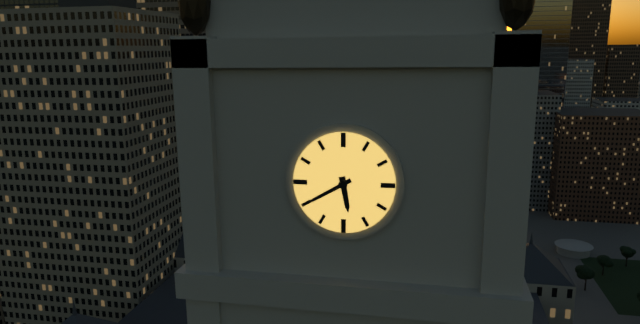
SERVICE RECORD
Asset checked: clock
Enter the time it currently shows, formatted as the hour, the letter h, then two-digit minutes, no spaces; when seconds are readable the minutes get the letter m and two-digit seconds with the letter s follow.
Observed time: 5h40
